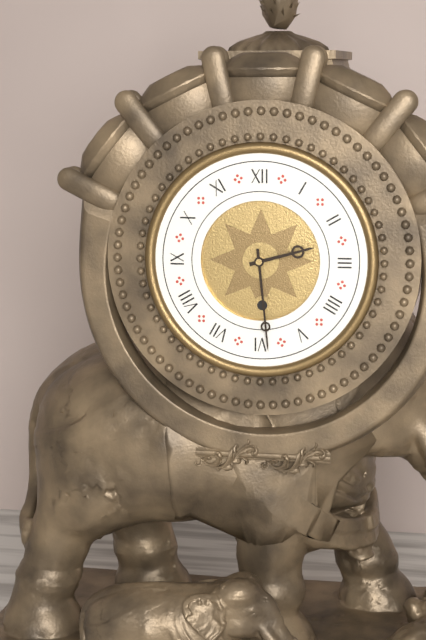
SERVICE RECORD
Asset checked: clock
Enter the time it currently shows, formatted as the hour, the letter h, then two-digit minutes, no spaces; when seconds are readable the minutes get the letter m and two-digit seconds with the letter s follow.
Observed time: 2h29
